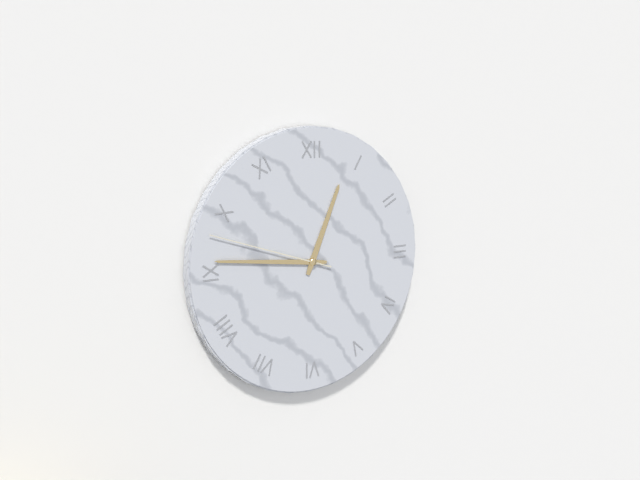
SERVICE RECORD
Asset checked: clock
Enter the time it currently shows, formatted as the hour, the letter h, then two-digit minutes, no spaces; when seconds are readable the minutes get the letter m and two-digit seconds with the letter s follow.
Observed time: 12h46m48s
